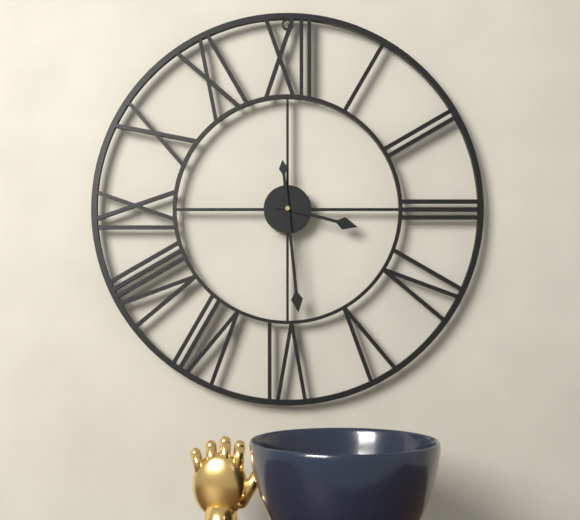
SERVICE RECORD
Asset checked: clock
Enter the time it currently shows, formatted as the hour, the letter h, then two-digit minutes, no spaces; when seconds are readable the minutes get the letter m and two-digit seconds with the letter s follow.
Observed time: 3h29
